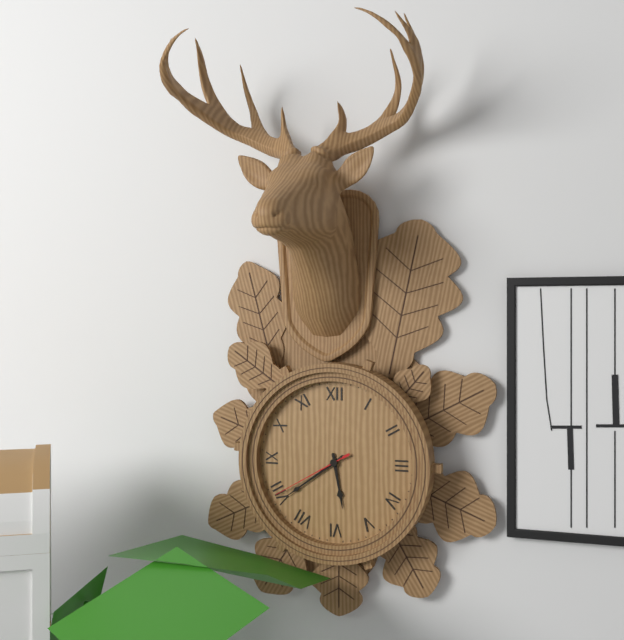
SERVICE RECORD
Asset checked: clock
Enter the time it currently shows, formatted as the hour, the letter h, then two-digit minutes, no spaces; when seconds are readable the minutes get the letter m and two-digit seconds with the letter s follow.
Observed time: 5h39m40s
